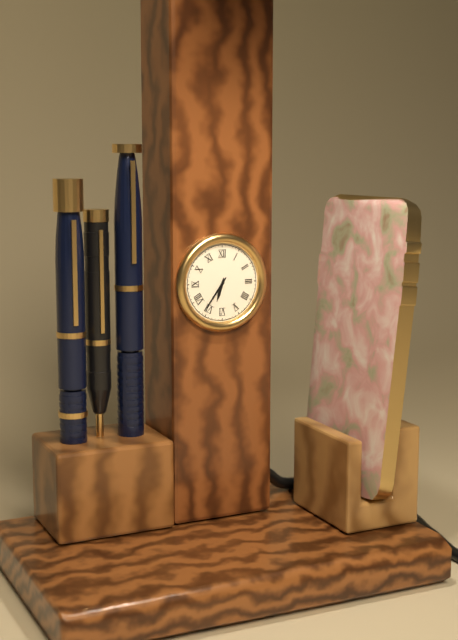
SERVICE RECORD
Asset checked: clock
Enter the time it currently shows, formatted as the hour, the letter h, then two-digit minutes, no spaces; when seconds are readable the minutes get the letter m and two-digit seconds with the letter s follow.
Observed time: 6h36
